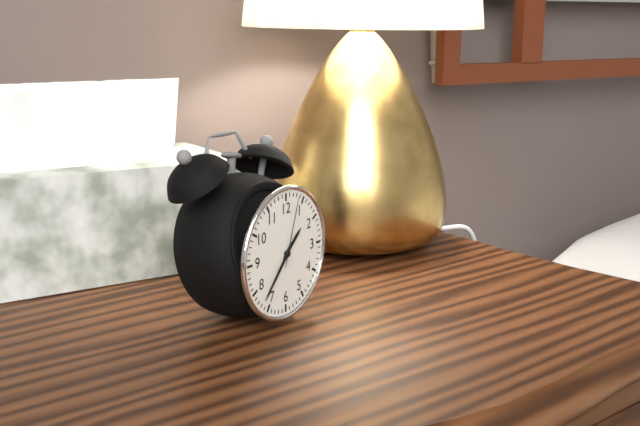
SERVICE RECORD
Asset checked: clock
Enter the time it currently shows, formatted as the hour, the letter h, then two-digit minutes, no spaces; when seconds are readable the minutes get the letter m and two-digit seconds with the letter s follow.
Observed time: 1h37m03s
